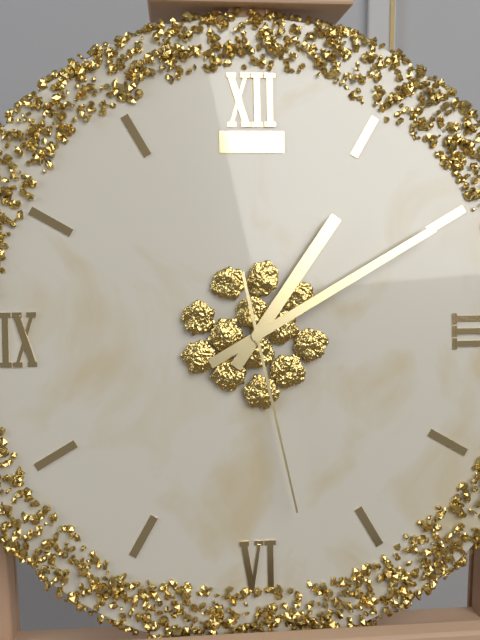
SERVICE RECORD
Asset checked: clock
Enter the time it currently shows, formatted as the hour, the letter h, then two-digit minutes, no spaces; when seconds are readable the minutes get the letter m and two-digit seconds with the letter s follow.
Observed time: 1h10m28s
